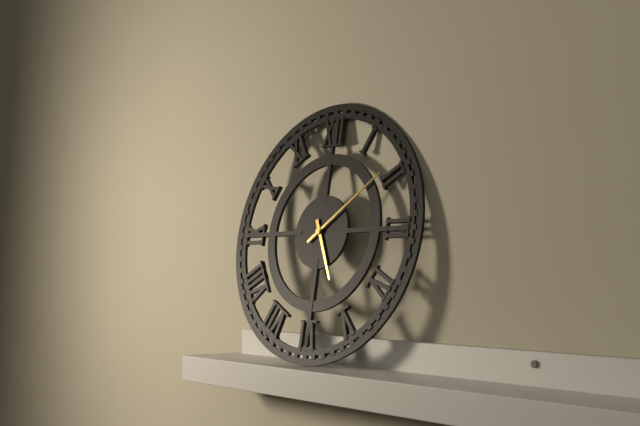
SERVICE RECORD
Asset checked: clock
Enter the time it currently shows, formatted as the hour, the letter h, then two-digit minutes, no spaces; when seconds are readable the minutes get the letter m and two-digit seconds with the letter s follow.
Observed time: 5h09
